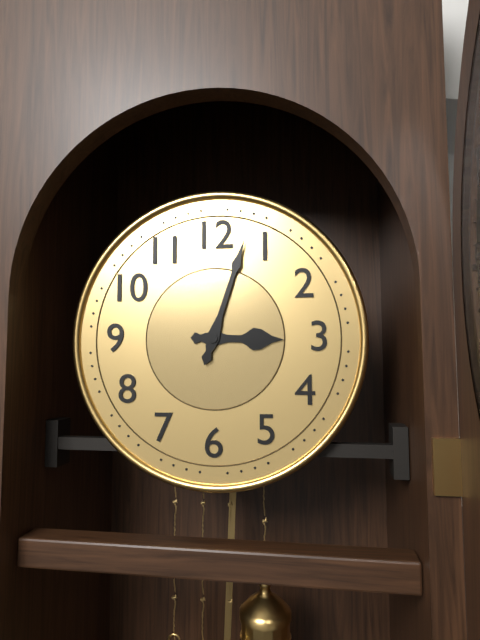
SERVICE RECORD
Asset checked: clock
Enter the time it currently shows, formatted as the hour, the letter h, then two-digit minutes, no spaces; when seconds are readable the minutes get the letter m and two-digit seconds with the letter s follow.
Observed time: 3h03
